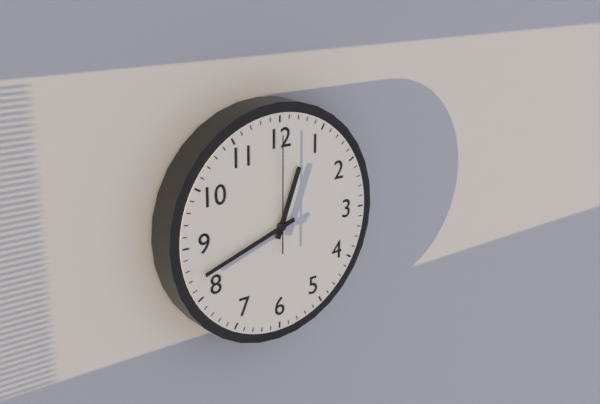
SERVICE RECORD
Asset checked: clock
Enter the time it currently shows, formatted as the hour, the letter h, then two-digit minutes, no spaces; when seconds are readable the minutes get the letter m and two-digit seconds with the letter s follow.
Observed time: 12h42m00s
